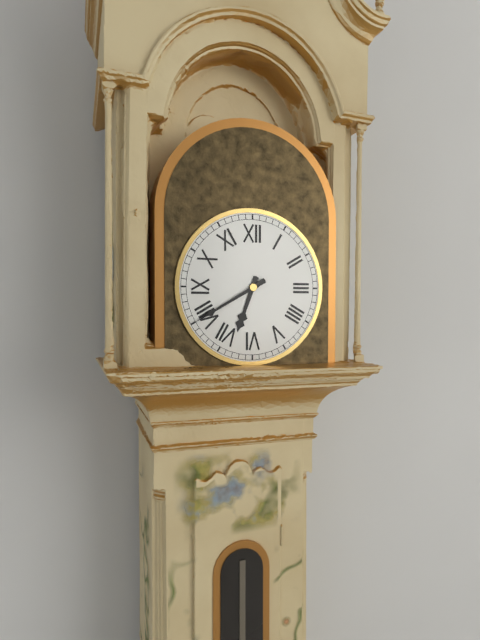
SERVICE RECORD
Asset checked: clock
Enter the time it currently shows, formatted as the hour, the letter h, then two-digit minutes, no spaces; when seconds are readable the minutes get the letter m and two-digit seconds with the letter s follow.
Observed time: 6h40
